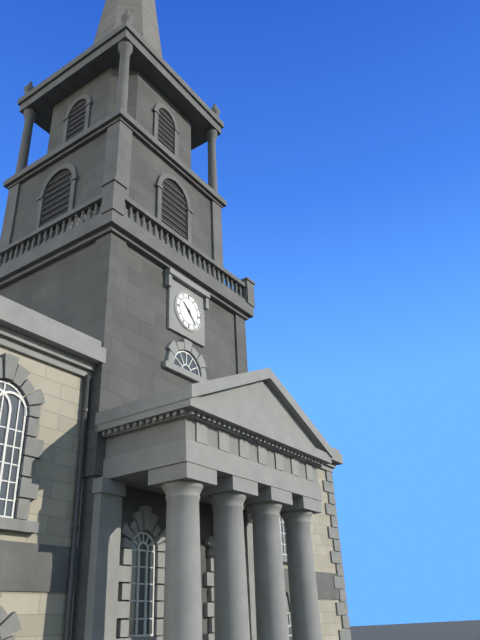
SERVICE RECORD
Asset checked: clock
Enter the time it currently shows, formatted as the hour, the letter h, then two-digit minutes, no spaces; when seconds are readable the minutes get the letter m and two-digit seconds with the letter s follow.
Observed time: 10h23
